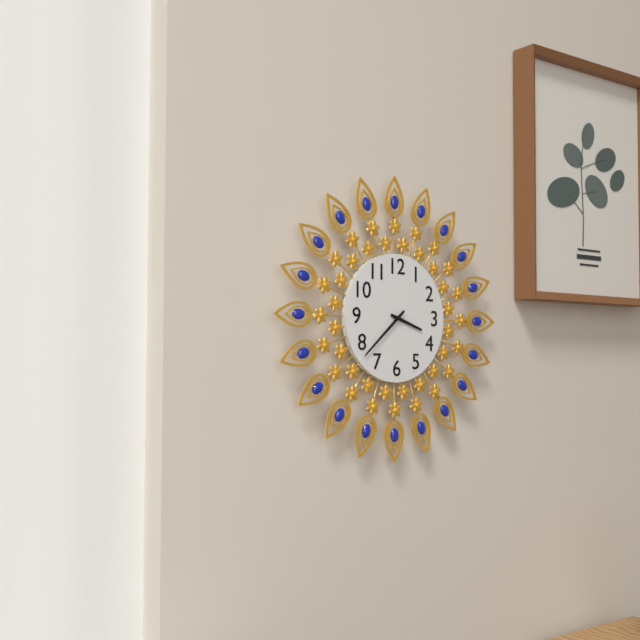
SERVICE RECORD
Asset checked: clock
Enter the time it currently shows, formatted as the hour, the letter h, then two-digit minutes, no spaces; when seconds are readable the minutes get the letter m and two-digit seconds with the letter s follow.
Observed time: 3h38
